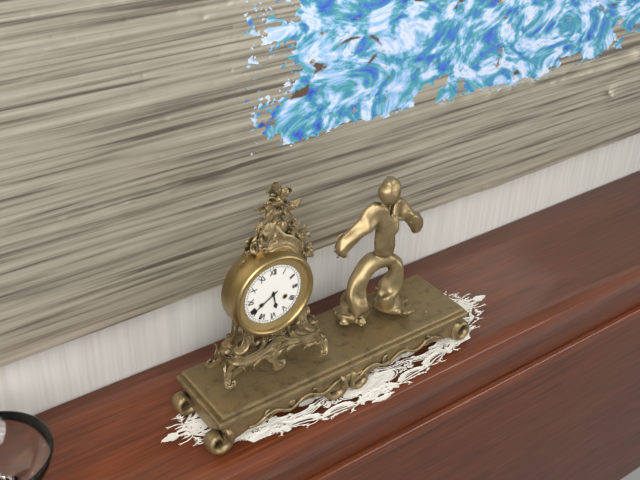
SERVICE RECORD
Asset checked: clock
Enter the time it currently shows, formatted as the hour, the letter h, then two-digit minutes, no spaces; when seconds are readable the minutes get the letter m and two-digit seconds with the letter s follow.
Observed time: 5h40
